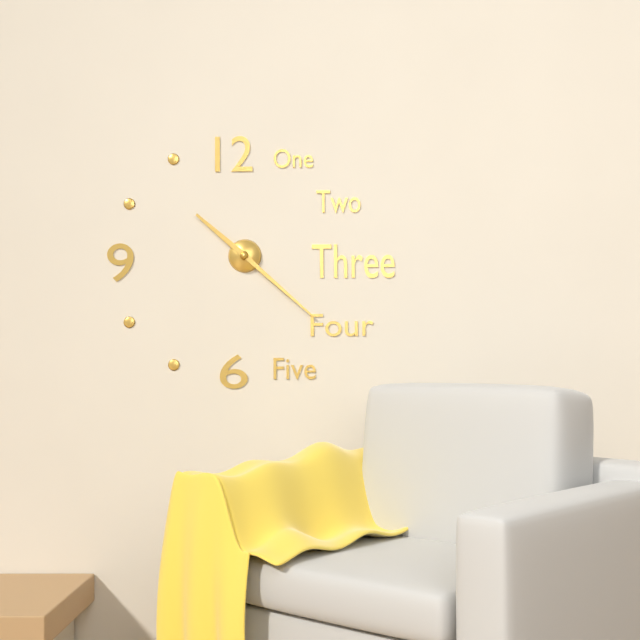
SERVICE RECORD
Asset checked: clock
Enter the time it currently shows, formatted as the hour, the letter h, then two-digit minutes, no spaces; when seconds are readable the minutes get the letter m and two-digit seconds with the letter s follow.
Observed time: 10h22
